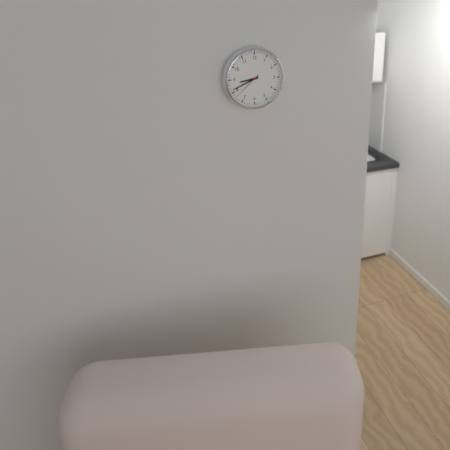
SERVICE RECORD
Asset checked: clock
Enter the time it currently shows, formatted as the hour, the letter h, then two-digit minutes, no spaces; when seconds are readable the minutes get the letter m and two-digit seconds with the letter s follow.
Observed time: 8h41
